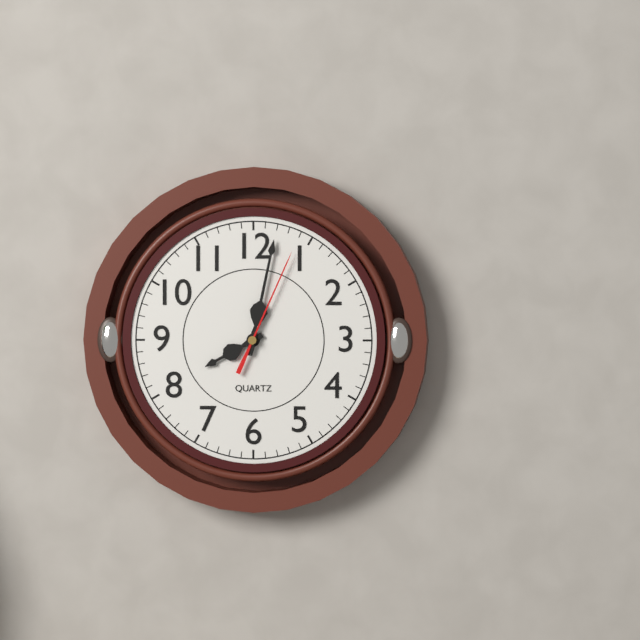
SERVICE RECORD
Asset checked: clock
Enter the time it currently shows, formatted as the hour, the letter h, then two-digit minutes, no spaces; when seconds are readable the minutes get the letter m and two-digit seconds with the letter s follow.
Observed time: 8h02m04s
